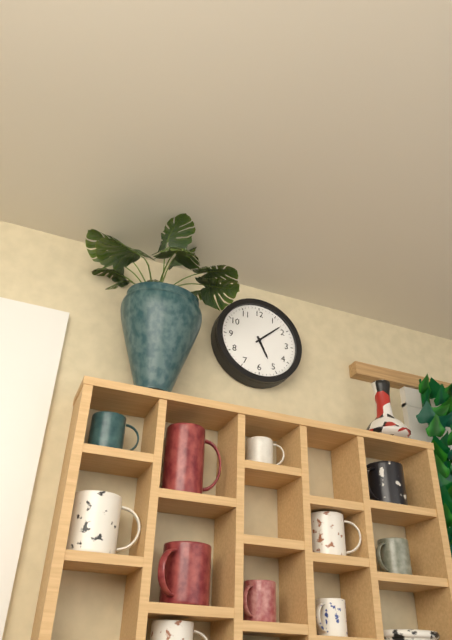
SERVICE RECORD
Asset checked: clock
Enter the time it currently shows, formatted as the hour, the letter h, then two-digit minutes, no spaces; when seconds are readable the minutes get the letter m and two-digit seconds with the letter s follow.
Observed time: 5h08
